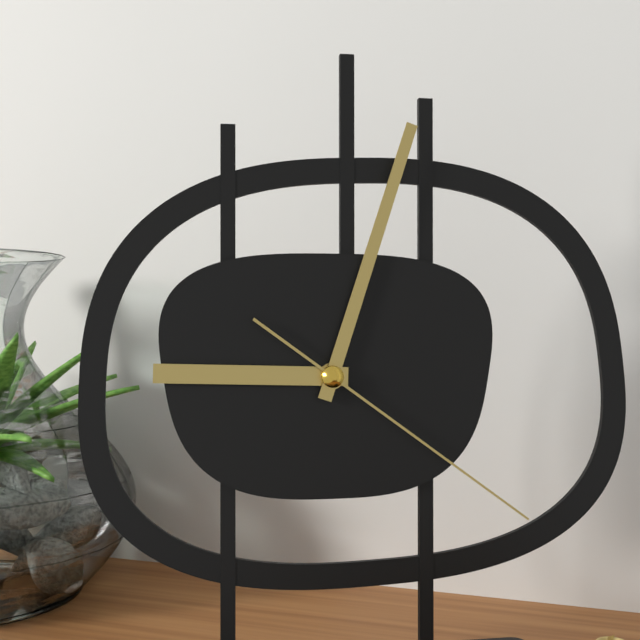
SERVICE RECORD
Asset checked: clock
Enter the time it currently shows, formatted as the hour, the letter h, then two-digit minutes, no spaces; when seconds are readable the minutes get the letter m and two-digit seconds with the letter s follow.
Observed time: 9h03m21s
